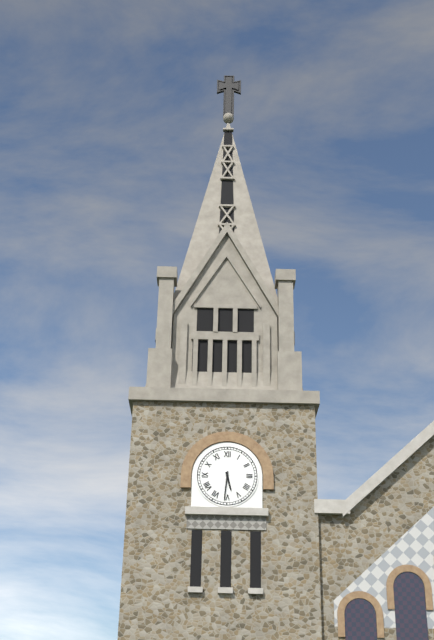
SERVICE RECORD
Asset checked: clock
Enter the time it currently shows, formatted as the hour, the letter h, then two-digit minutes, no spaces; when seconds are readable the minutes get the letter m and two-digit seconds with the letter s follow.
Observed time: 5h31
